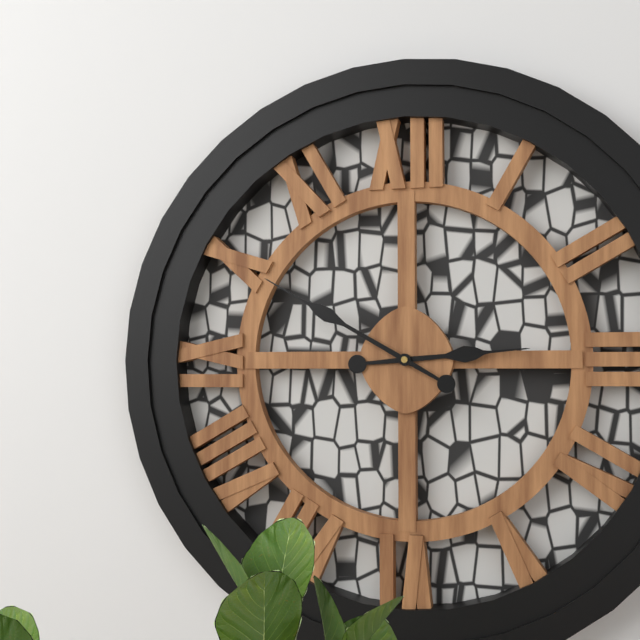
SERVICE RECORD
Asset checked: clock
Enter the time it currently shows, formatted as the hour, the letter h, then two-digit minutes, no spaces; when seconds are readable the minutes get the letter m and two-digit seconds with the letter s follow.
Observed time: 2h50
